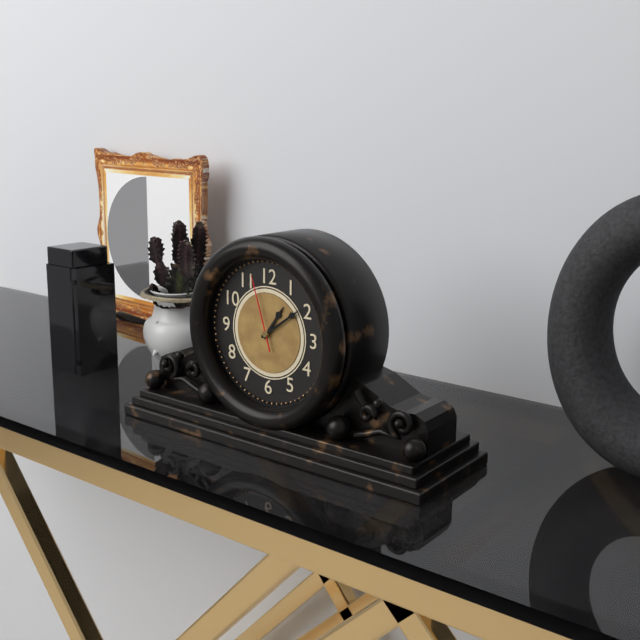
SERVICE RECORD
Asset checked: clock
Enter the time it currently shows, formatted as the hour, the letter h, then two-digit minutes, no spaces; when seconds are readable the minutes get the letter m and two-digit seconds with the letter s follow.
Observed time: 1h09m57s
